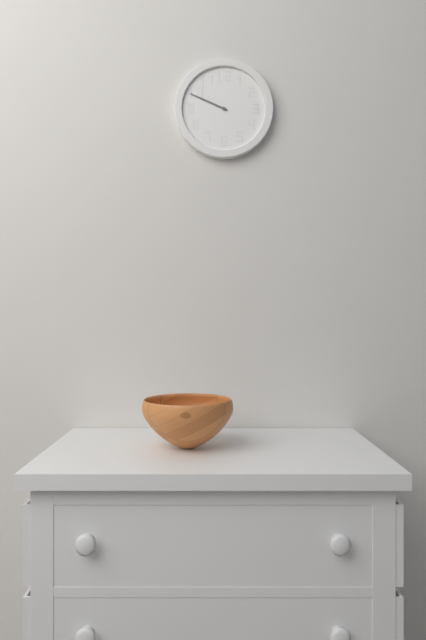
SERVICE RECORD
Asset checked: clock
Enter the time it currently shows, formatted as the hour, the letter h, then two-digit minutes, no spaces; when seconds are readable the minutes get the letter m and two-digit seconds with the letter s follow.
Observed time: 9h49
